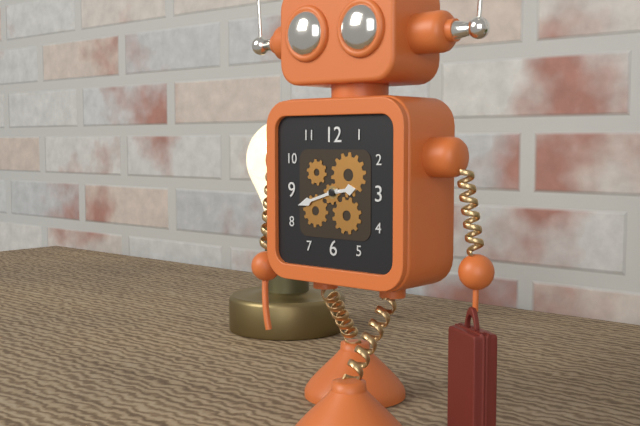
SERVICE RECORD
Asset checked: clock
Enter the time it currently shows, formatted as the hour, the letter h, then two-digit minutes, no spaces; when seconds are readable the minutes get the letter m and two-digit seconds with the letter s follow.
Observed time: 2h42
